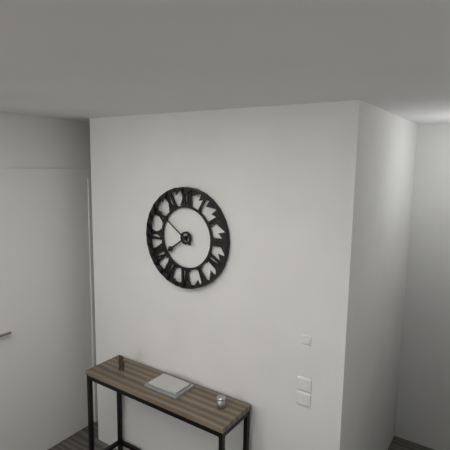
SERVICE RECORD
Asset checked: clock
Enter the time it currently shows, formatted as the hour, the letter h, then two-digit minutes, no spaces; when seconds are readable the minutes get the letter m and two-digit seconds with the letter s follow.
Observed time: 7h51
